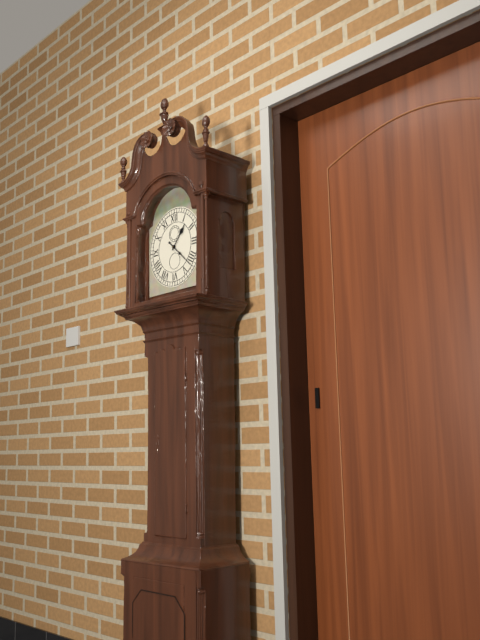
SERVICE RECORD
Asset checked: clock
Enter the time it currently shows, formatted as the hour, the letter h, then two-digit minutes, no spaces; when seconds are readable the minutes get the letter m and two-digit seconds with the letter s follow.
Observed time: 1h22
